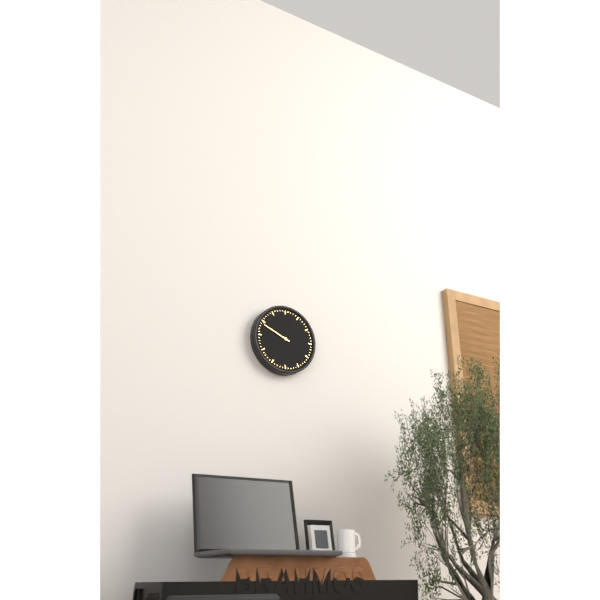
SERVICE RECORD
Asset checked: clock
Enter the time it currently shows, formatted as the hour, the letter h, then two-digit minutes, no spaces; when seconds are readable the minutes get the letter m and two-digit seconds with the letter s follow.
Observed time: 9h49
